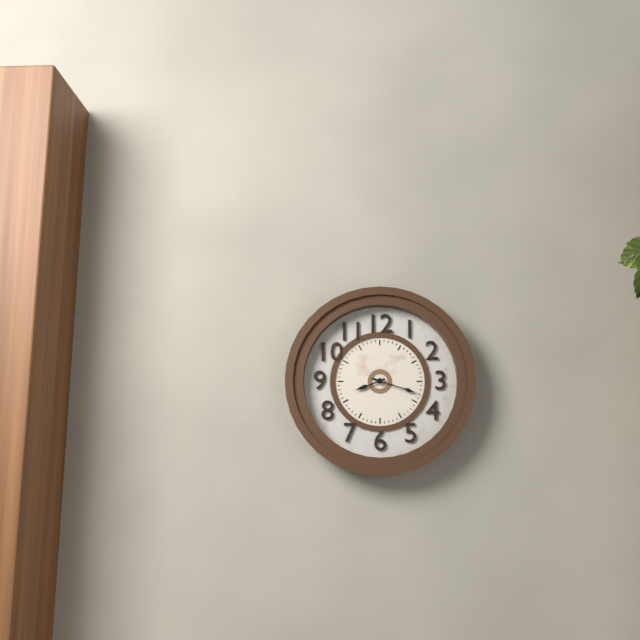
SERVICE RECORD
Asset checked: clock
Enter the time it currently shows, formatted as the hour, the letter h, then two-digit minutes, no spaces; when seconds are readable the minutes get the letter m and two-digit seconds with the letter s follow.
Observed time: 8h18
